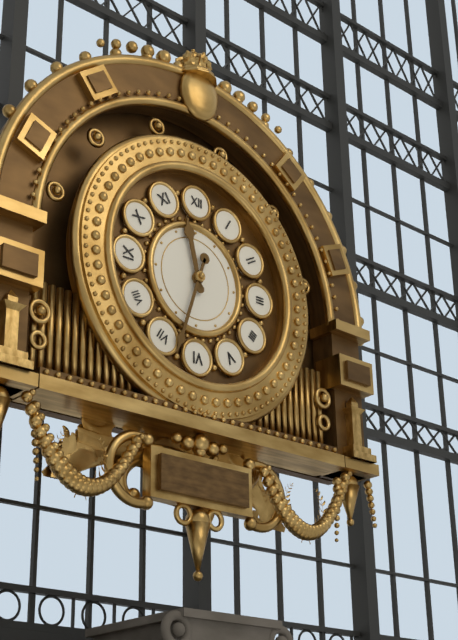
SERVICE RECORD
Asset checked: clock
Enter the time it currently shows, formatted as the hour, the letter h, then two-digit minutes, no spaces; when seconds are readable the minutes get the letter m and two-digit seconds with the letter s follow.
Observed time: 11h33
